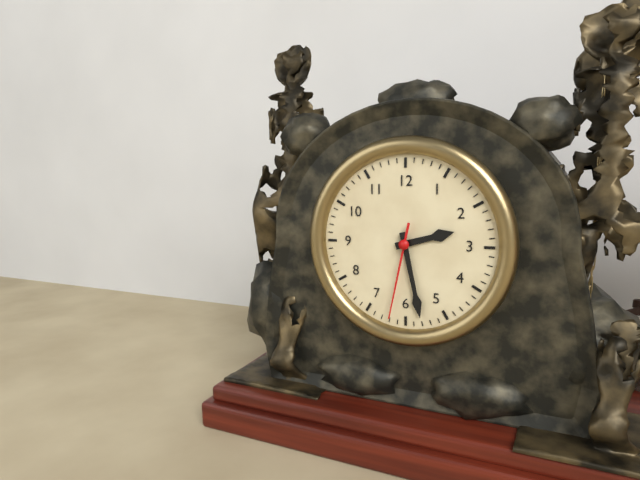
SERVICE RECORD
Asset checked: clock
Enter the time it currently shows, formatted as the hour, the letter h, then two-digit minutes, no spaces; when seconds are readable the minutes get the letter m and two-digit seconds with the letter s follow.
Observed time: 2h28m32s
